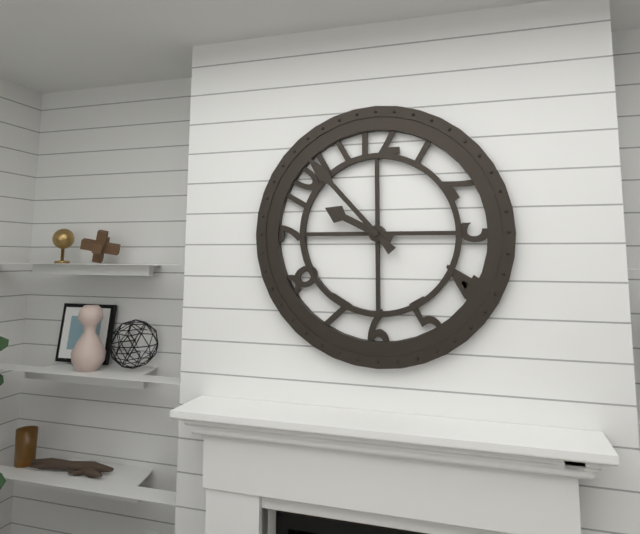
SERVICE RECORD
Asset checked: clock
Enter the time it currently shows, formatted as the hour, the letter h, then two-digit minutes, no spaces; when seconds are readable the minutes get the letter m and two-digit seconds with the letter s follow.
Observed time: 9h53
